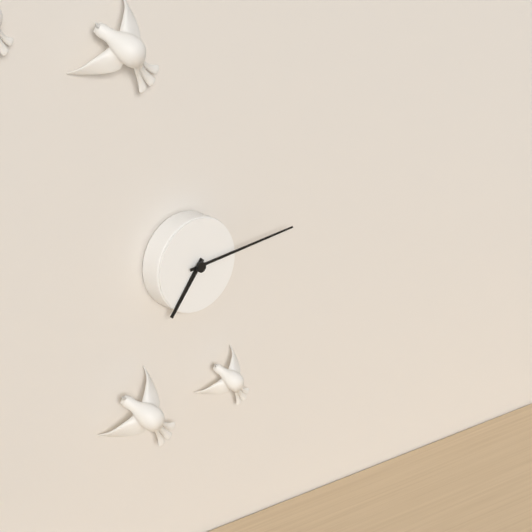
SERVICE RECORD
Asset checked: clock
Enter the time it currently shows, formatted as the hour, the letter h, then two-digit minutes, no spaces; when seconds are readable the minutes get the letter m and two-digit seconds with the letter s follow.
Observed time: 7h14
